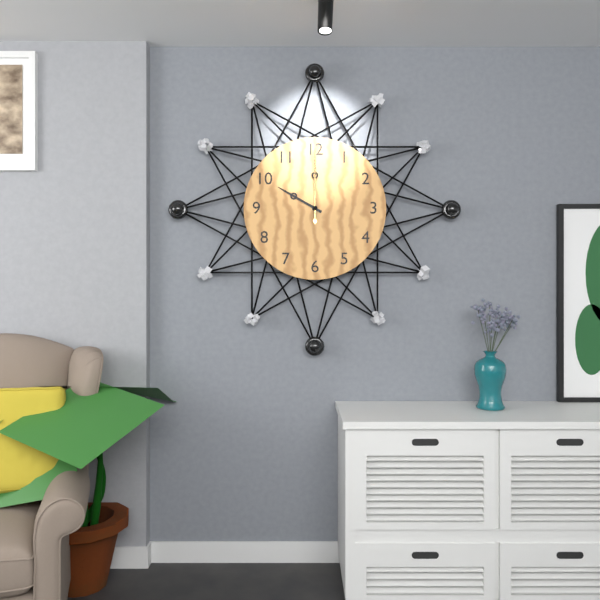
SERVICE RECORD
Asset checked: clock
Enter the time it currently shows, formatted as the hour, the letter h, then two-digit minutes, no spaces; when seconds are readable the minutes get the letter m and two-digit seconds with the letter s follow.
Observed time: 10h00m00s
